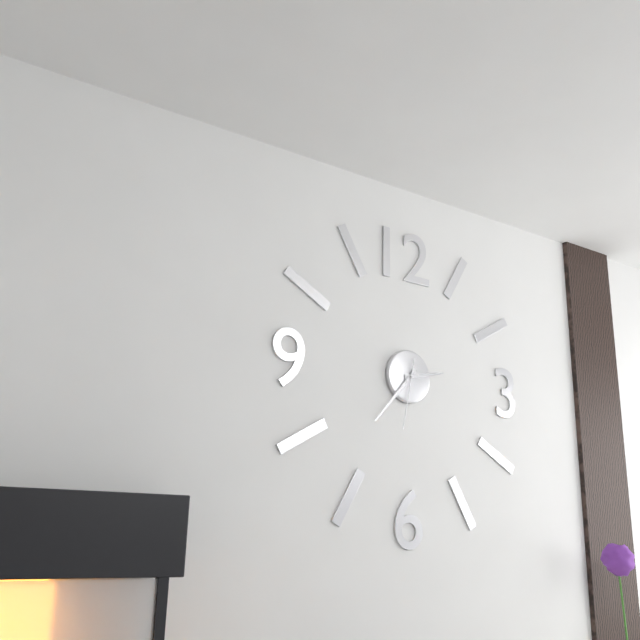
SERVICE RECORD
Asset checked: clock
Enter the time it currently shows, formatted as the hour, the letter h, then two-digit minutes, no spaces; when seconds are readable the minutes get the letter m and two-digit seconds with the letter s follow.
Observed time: 2h37m32s
